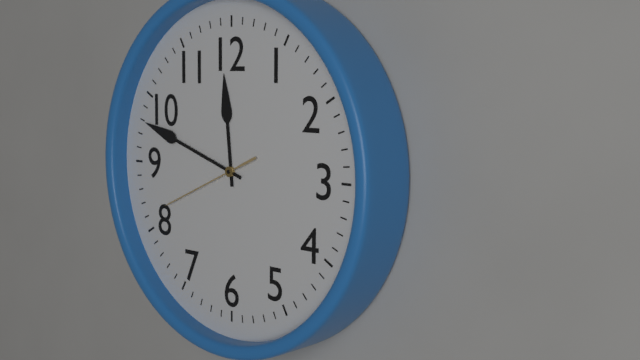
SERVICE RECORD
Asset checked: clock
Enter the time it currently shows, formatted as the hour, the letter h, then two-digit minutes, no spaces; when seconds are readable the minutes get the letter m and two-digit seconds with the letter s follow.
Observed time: 11h48m41s
